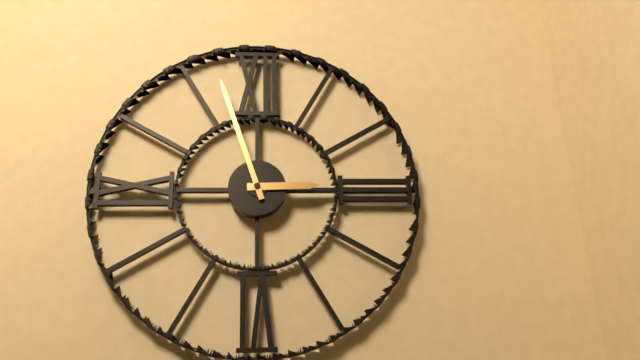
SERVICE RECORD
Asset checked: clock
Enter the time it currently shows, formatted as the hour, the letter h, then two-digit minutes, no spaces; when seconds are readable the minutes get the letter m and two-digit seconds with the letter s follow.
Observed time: 2h57
